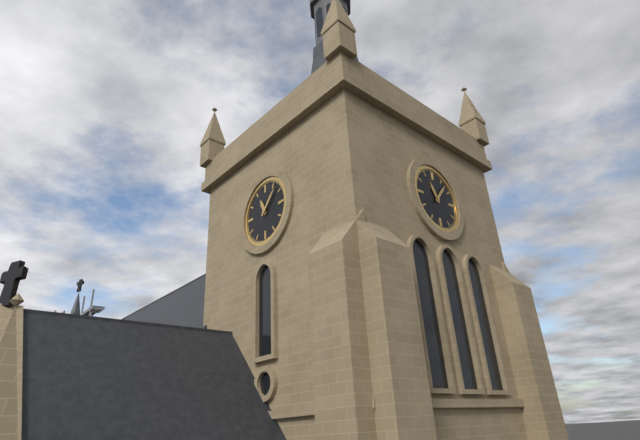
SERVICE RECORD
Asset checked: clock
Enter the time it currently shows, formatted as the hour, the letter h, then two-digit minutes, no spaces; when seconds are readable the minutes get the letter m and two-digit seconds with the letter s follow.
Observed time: 11h07
